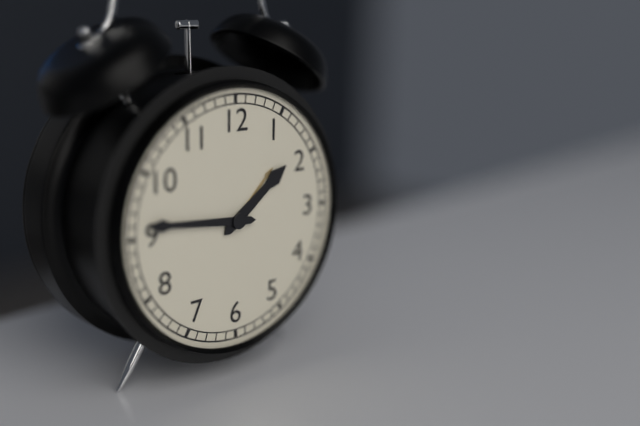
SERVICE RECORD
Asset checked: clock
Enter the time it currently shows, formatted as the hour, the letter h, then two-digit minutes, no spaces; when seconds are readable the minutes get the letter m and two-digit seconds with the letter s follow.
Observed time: 1h46
